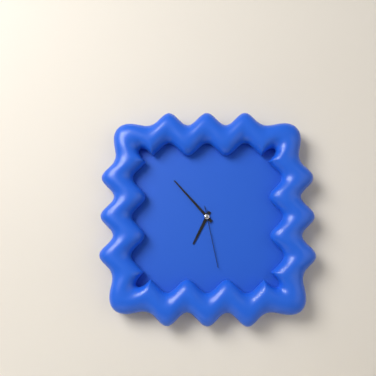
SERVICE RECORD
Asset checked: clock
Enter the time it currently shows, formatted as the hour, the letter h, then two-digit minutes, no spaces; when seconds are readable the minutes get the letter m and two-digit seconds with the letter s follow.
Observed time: 6h53m28s
